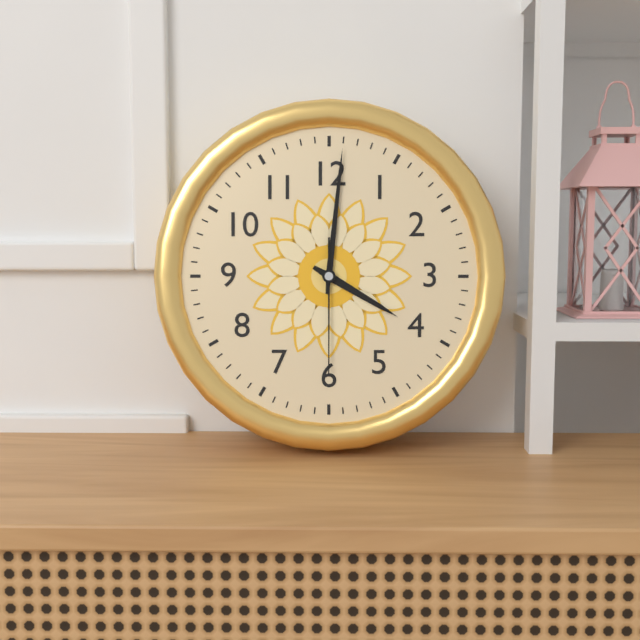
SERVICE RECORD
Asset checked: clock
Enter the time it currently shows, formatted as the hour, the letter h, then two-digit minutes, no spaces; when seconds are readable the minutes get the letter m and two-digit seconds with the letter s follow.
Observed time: 4h01m30s
